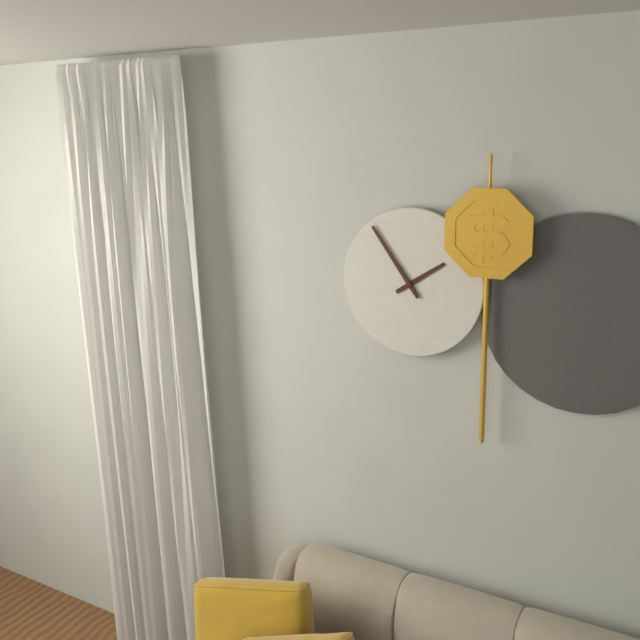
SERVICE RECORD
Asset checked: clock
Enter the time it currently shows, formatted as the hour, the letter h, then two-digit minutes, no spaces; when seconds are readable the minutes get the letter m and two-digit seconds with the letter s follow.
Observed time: 1h54
